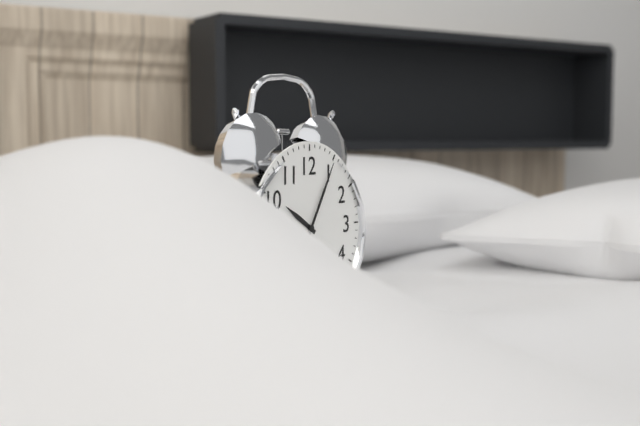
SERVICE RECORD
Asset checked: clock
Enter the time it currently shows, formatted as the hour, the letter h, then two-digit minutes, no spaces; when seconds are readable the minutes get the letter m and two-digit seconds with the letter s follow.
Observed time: 10h05
